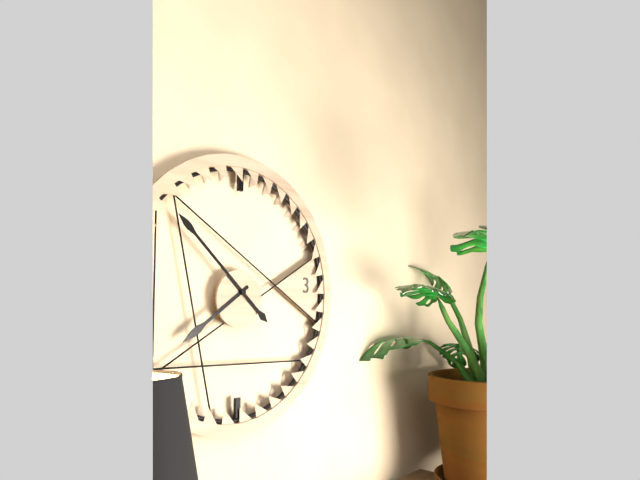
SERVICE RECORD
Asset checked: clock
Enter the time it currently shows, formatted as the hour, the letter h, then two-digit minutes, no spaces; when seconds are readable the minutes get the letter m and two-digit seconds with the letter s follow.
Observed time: 7h52
